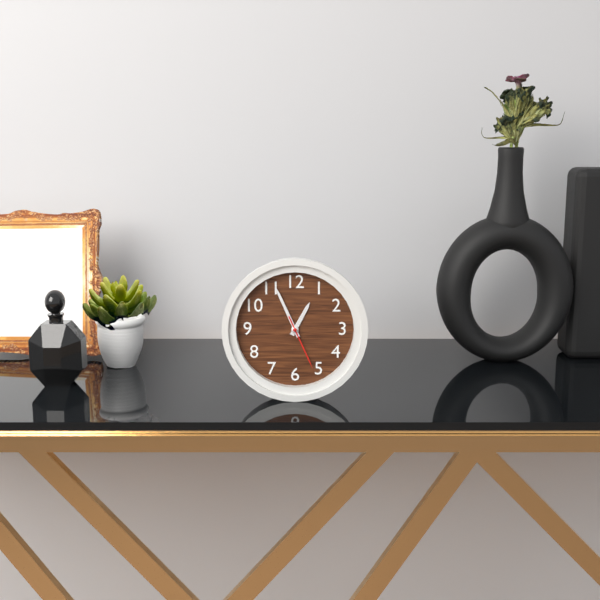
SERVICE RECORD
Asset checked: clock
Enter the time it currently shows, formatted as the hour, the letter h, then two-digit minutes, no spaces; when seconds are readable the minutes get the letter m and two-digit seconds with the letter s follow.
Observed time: 12h56m26s
